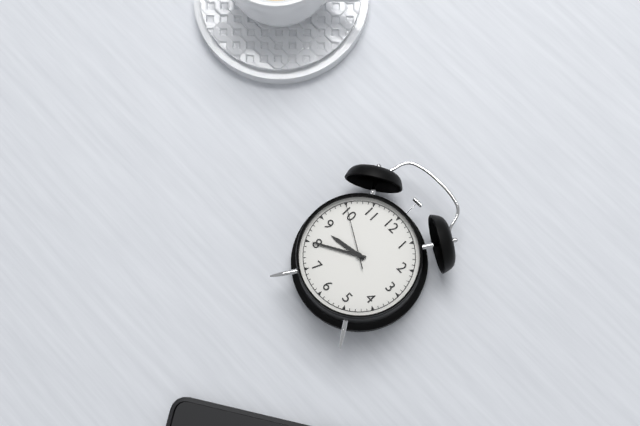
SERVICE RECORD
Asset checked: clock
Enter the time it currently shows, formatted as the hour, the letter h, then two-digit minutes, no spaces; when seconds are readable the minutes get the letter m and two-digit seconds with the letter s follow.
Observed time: 8h40m50s
